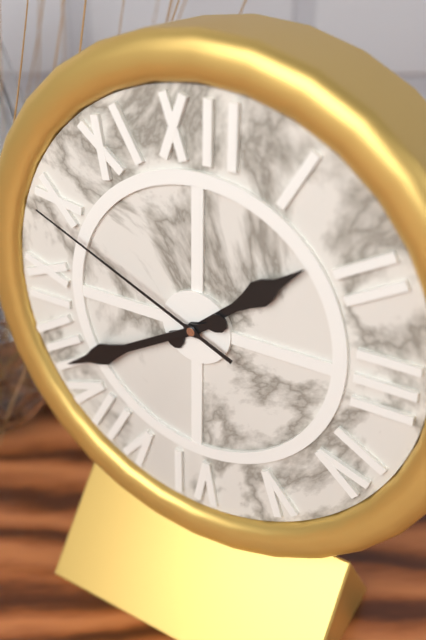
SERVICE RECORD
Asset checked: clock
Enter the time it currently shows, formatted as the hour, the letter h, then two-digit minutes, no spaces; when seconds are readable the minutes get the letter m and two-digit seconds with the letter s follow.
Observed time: 1h40m49s
